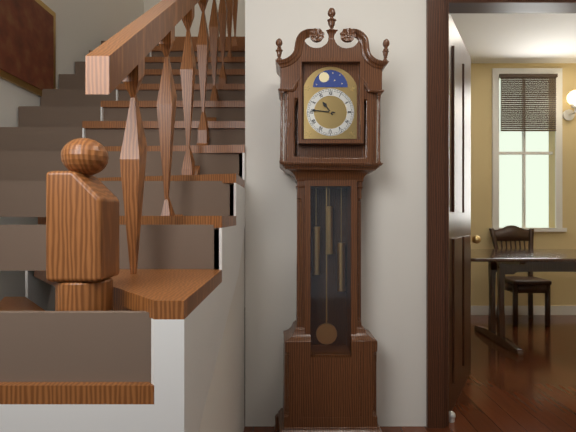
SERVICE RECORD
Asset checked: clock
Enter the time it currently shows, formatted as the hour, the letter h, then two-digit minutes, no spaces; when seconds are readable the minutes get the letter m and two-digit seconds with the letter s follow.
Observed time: 10h46
